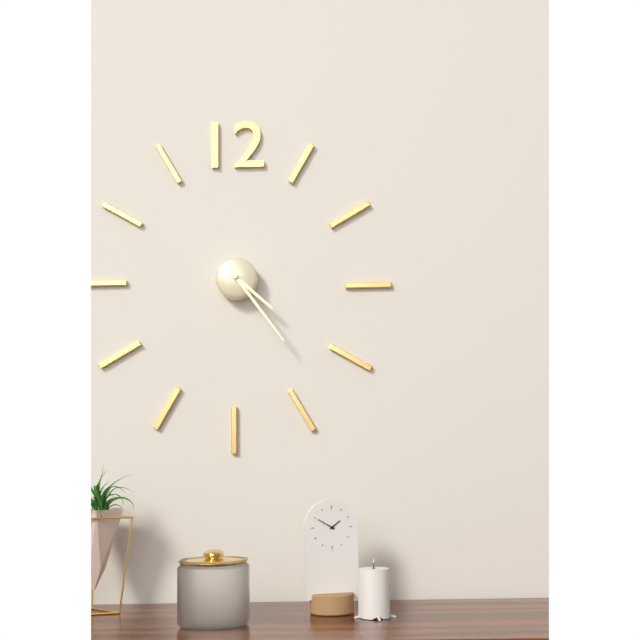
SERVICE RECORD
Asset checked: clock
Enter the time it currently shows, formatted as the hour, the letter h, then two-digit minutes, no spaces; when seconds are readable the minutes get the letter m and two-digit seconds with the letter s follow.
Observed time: 4h24
